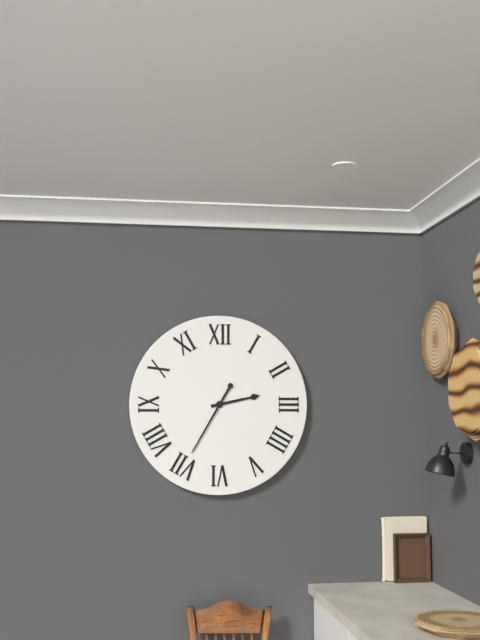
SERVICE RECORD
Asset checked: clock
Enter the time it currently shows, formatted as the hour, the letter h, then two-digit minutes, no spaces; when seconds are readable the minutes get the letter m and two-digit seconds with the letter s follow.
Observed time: 2h35
